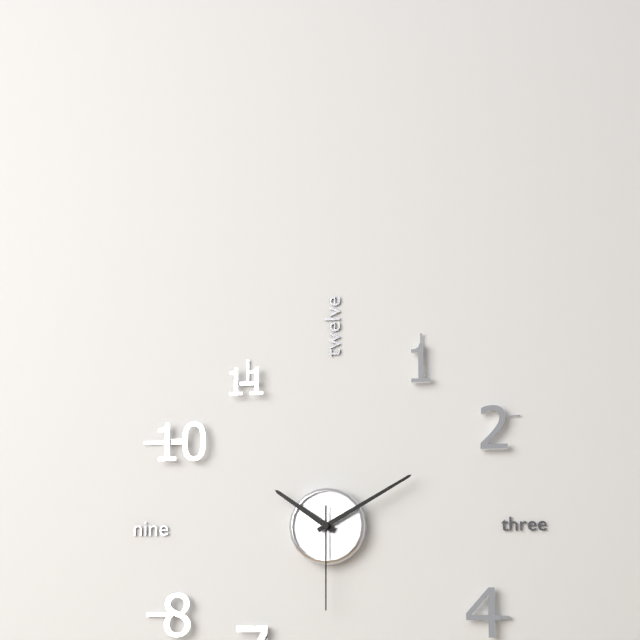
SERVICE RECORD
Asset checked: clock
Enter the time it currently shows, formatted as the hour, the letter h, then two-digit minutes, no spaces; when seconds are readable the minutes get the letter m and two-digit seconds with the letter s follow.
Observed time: 10h10m30s
